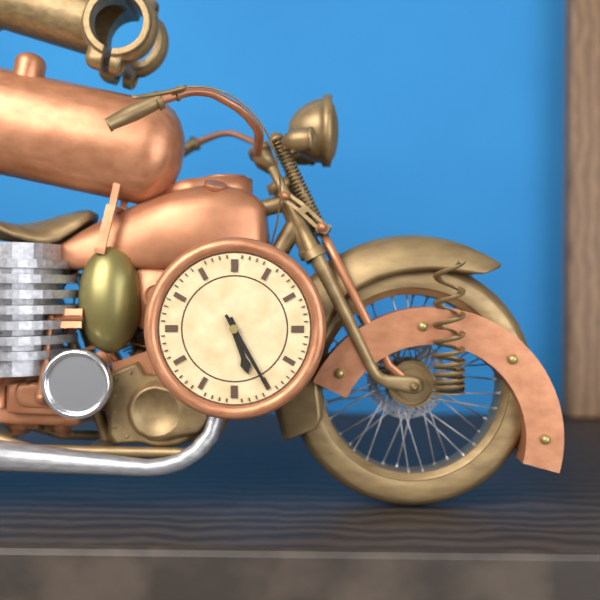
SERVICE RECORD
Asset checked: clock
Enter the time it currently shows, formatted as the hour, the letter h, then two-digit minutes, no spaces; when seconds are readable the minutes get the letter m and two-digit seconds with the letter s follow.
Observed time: 5h25
